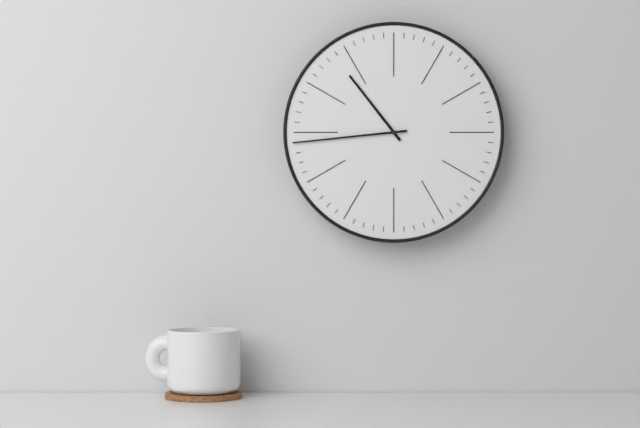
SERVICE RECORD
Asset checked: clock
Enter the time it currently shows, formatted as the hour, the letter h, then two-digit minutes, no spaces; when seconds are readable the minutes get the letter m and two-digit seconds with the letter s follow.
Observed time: 10h44
